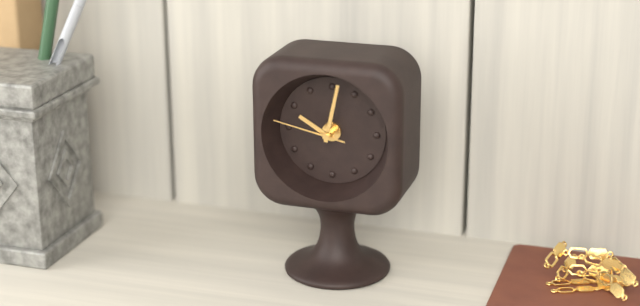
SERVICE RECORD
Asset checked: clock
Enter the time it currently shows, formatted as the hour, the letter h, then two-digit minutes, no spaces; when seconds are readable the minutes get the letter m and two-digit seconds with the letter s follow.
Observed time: 10h02m47s
